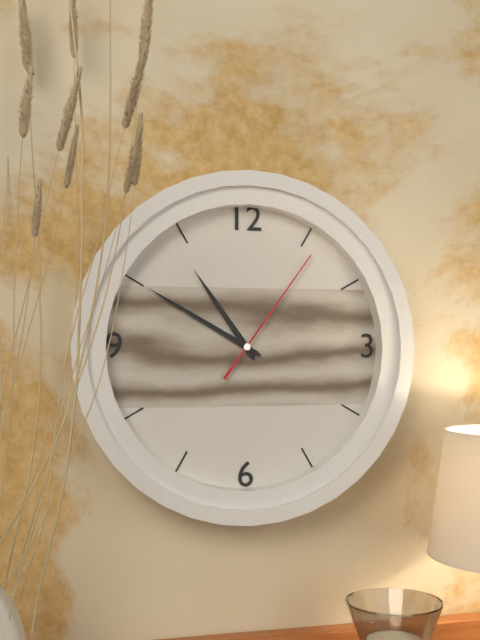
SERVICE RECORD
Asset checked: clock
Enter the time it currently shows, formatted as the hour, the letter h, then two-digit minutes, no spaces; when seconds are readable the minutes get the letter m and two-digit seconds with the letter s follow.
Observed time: 10h50m06s
